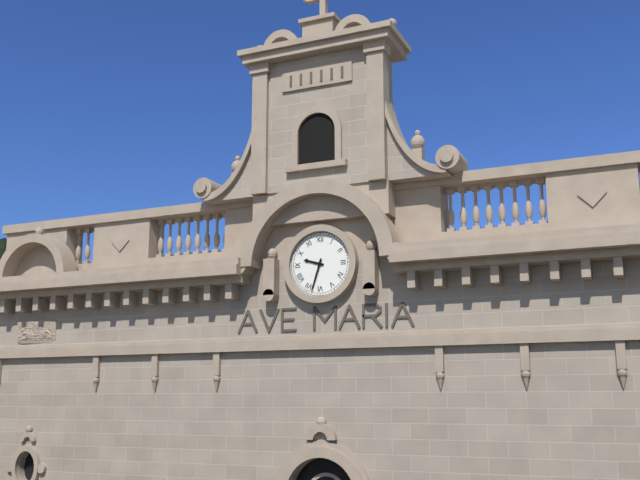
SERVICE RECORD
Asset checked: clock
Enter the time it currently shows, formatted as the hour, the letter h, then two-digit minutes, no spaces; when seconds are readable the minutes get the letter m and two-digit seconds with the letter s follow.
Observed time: 9h33
